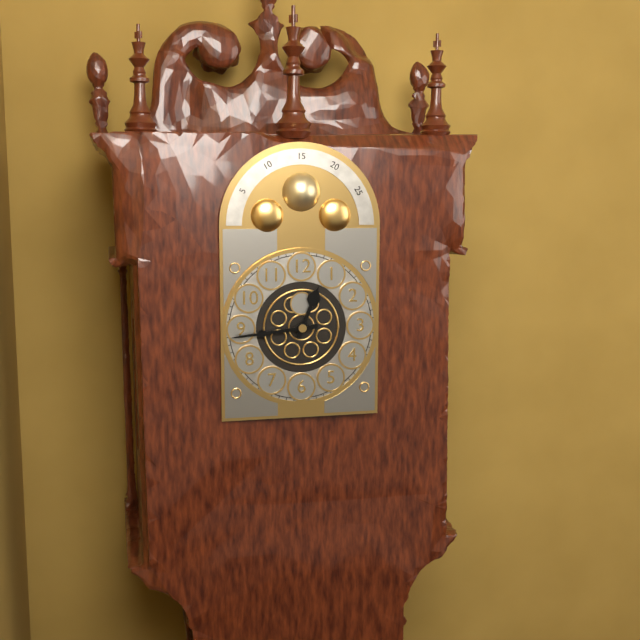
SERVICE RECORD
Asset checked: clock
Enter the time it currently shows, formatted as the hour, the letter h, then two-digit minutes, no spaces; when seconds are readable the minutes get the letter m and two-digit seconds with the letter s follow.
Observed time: 12h44
